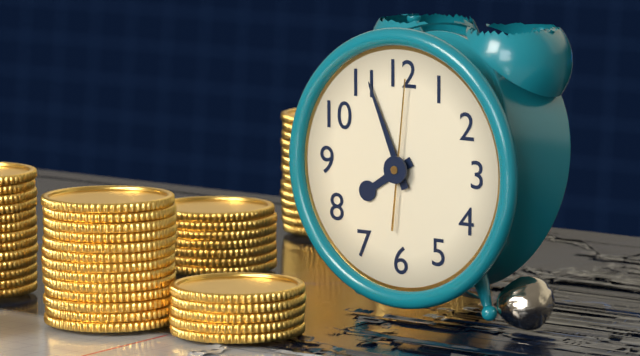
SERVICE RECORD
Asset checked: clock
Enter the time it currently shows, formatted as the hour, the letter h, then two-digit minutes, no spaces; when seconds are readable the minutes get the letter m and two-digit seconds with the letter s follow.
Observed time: 7h56m01s
